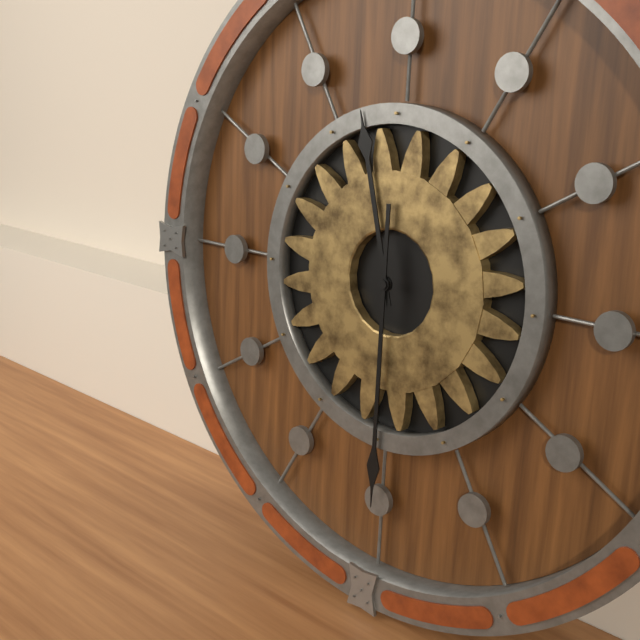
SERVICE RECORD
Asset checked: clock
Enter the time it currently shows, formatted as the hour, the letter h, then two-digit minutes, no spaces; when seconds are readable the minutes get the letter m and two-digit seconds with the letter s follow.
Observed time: 11h30
